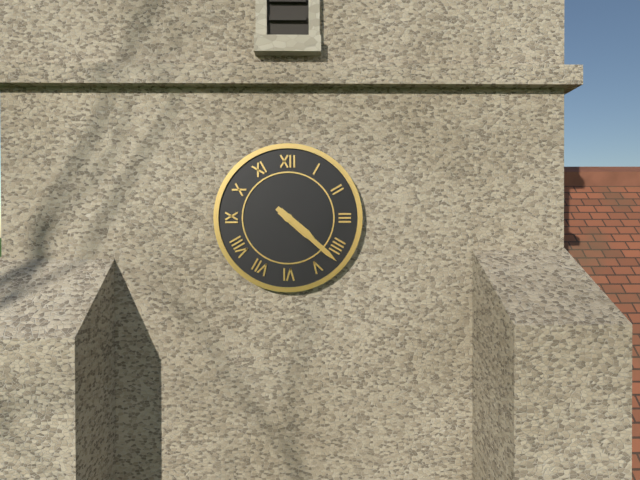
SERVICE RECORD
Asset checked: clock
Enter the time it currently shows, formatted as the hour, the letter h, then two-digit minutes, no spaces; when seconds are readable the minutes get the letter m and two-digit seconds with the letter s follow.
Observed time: 4h22
